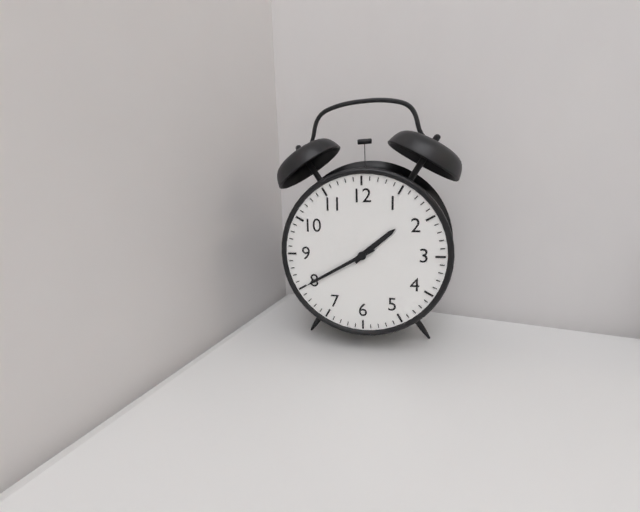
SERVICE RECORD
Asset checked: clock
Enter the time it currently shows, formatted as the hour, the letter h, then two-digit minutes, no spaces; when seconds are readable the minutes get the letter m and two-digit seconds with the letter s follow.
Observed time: 1h40
